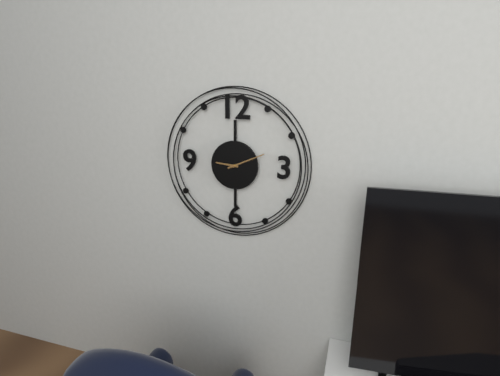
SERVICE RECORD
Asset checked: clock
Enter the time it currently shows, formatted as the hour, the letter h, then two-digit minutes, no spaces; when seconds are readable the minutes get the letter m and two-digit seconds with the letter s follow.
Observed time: 9h11
